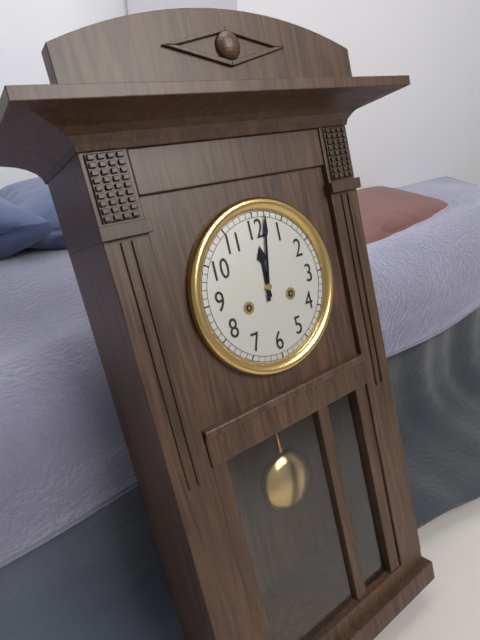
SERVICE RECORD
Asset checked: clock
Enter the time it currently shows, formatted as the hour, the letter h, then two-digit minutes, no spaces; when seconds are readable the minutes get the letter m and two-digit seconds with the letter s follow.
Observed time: 12h02
